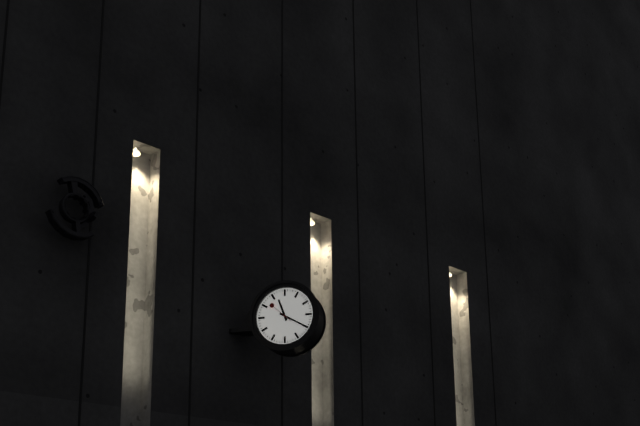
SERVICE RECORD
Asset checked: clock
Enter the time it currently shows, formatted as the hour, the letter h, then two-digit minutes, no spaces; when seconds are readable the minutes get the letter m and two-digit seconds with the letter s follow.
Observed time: 11h20
